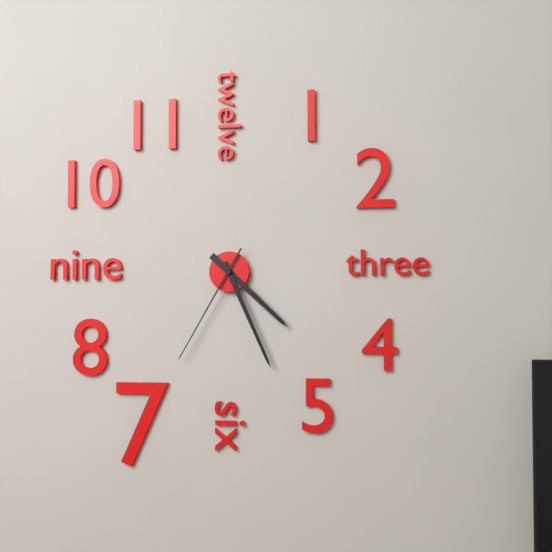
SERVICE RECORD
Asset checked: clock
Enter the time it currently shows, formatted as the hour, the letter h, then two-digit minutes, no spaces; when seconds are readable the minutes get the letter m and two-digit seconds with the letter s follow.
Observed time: 4h26m35s
